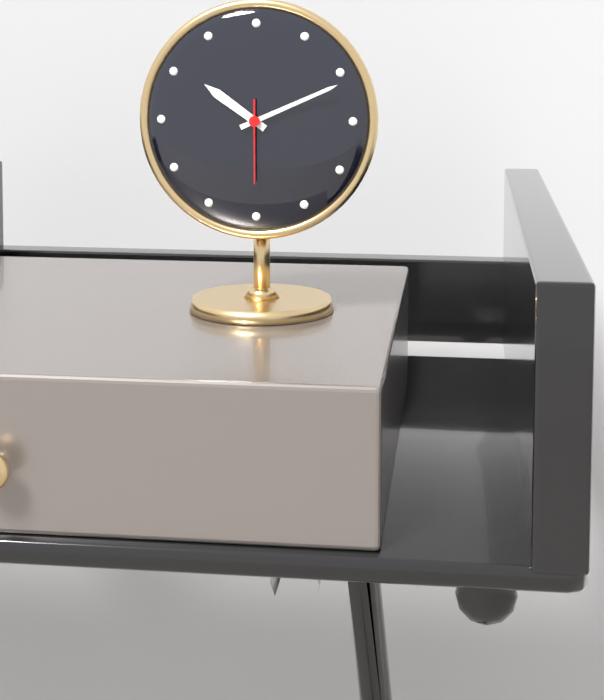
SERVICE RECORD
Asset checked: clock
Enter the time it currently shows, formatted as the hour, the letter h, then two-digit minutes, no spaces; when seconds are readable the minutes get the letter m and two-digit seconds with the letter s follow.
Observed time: 10h11m30s
